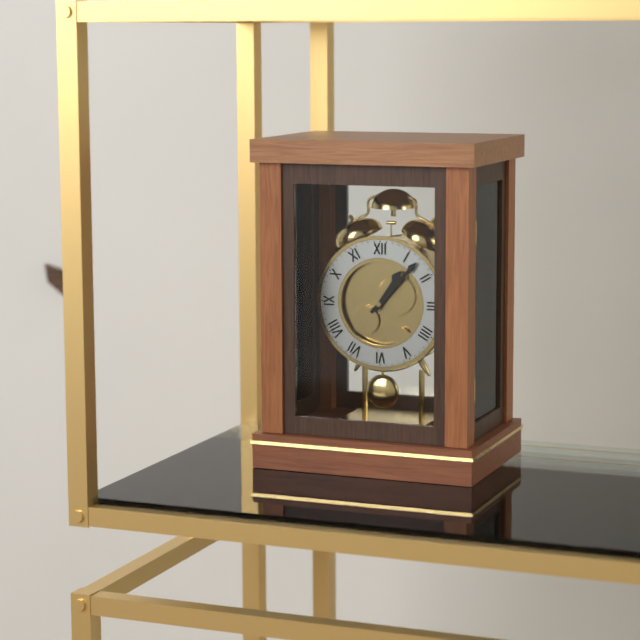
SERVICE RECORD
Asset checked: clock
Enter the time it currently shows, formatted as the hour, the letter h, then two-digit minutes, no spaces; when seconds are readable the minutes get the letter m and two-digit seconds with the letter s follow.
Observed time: 1h07
